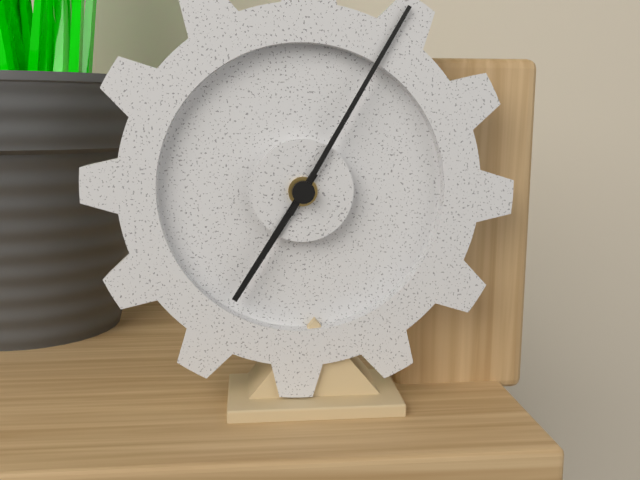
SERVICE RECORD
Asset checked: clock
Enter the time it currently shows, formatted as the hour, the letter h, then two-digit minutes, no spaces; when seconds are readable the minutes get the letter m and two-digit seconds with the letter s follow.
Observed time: 7h05
